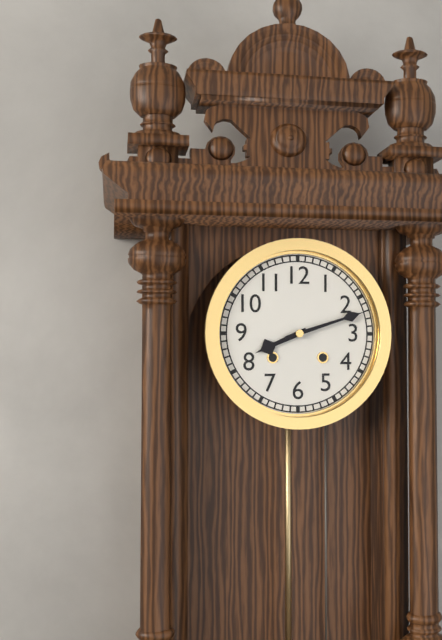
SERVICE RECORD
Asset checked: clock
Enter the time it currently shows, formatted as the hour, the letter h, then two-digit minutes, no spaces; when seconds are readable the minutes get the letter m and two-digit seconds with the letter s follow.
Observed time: 8h12
